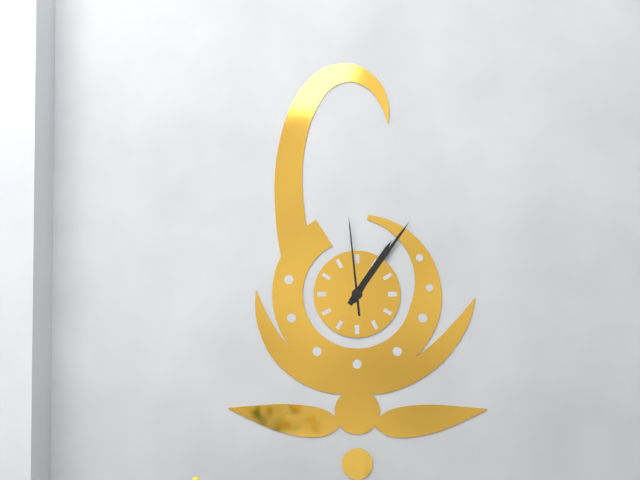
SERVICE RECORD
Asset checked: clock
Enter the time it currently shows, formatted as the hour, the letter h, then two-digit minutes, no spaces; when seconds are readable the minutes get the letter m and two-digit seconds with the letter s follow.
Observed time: 1h06m59s
